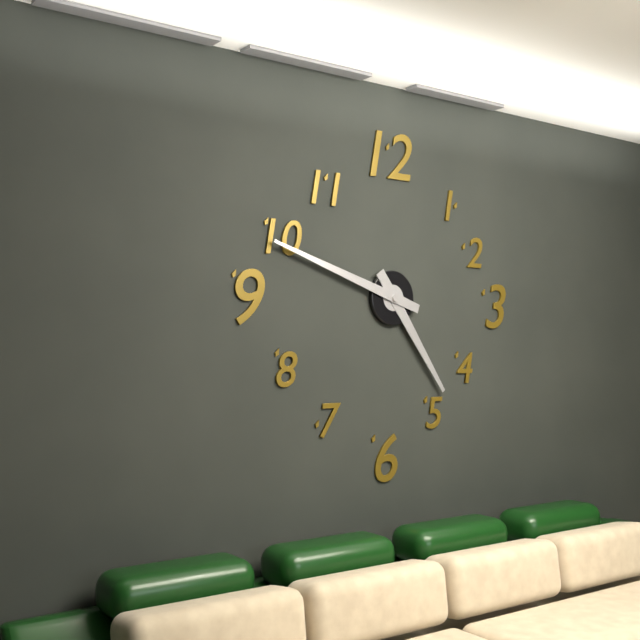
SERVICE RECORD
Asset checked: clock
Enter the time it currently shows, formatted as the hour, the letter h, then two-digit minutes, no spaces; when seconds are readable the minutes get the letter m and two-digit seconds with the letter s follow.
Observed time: 4h48
